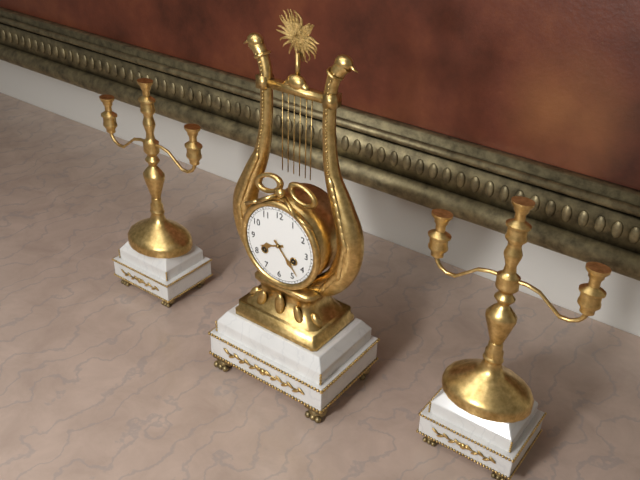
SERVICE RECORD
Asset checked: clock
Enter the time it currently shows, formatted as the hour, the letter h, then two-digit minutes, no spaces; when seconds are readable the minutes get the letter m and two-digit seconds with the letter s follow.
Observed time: 8h23
